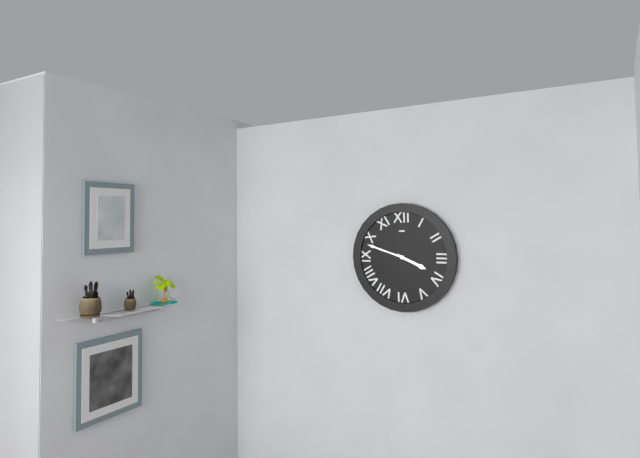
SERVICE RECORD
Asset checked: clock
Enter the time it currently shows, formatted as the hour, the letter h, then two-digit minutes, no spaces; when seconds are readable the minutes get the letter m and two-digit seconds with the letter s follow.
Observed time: 3h48
